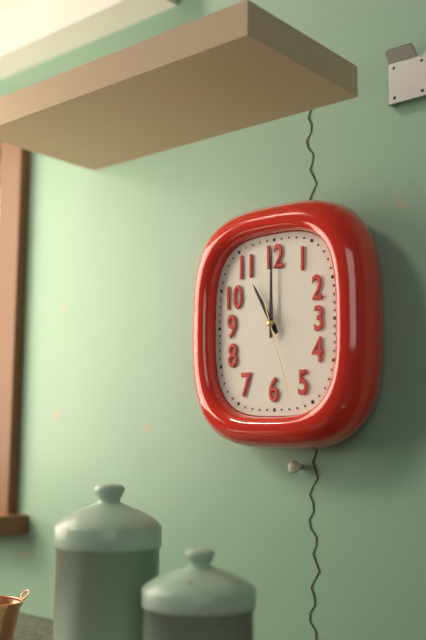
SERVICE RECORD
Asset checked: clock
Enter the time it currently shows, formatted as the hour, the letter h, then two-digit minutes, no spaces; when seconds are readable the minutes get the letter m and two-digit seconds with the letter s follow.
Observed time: 11h00m27s
